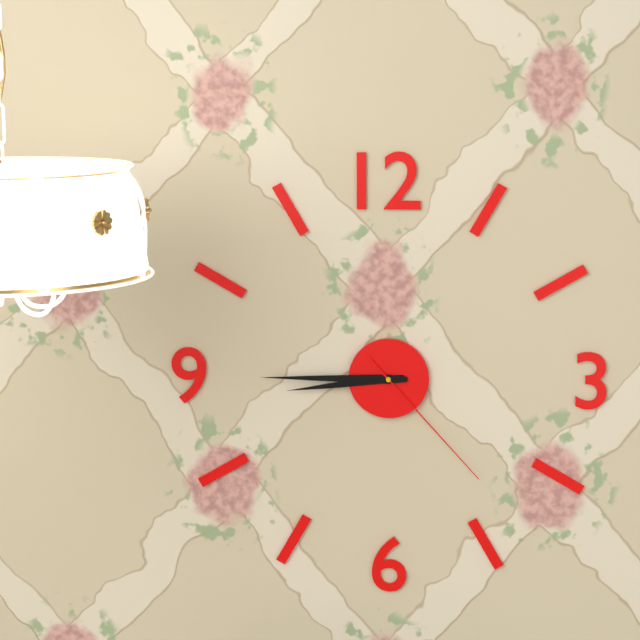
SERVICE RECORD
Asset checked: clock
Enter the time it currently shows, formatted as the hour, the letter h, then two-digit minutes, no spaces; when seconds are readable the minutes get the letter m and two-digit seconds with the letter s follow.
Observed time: 8h45m23s
